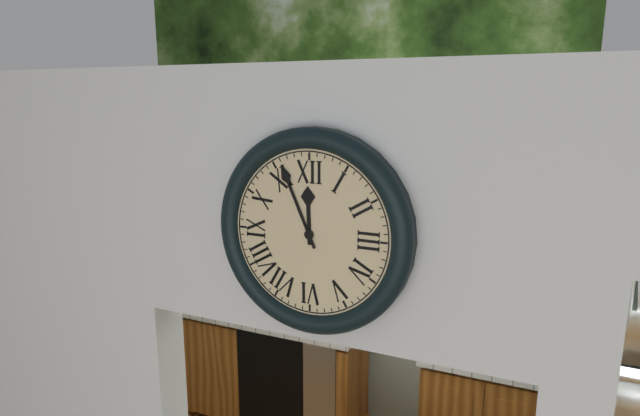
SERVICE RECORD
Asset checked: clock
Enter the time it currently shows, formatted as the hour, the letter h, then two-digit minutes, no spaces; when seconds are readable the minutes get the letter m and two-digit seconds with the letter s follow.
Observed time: 11h56
